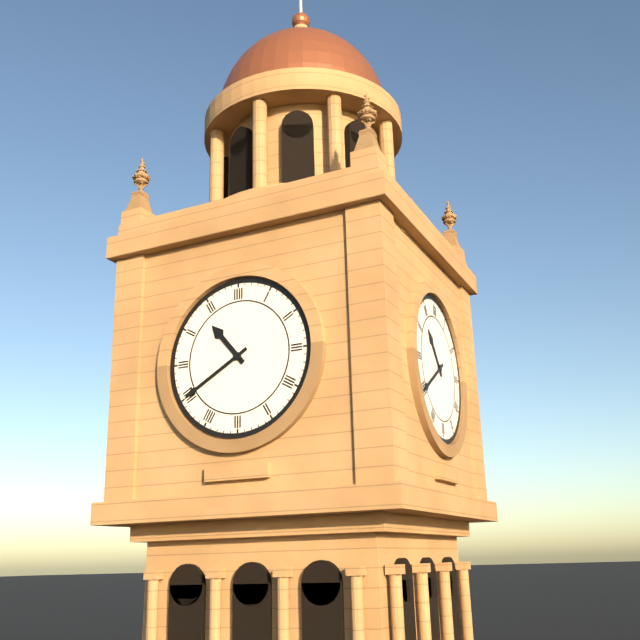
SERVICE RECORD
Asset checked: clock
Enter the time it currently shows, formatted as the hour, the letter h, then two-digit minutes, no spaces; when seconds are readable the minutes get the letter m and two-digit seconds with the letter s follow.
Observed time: 10h40
